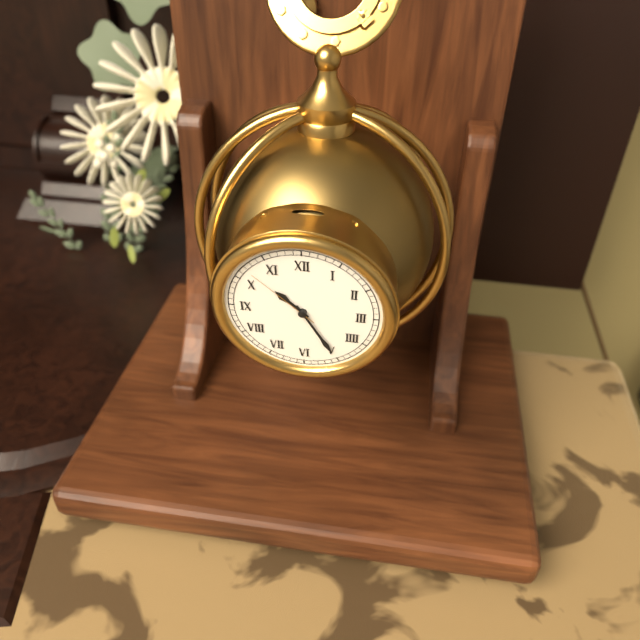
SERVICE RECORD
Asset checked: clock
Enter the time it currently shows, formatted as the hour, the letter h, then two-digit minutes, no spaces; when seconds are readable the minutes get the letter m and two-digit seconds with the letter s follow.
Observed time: 10h25m52s
